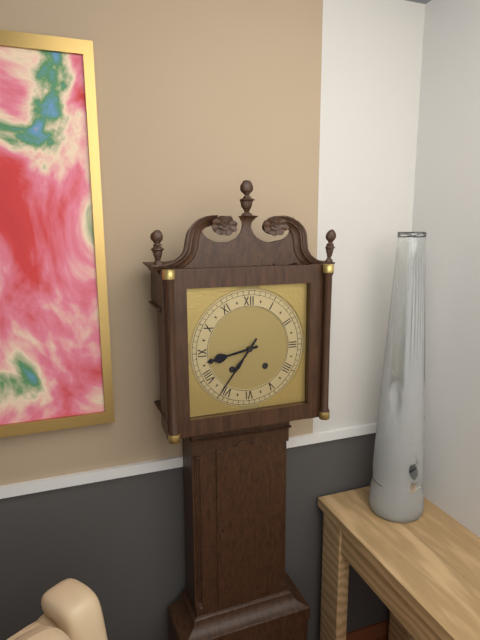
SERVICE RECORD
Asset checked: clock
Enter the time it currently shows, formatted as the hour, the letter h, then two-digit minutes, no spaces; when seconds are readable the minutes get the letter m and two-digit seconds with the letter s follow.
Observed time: 8h36
